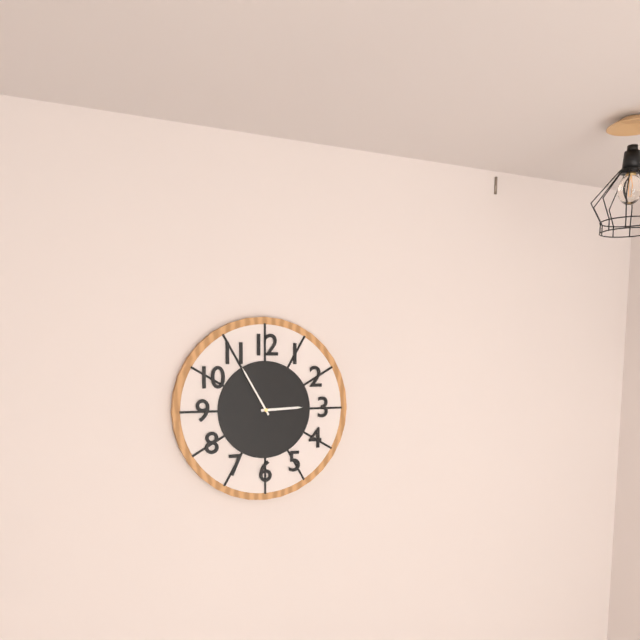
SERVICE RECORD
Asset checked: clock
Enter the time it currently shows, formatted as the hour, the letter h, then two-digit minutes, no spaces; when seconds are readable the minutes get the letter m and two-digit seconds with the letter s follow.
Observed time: 2h55
